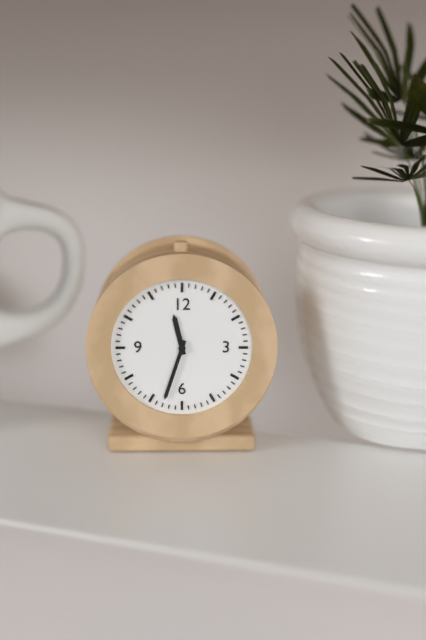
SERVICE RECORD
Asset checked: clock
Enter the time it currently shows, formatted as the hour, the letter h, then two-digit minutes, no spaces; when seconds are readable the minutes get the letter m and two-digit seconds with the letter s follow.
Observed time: 11h33
